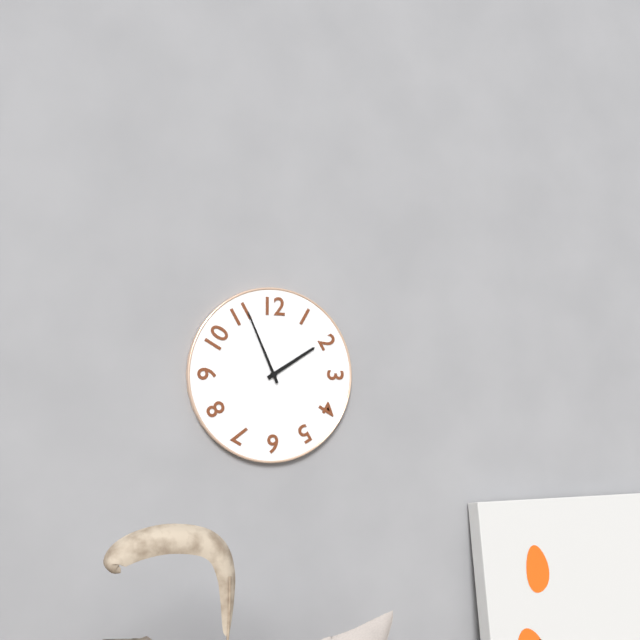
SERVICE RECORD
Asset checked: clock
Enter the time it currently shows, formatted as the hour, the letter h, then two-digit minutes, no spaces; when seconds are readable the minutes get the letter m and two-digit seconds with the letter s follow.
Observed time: 1h56
